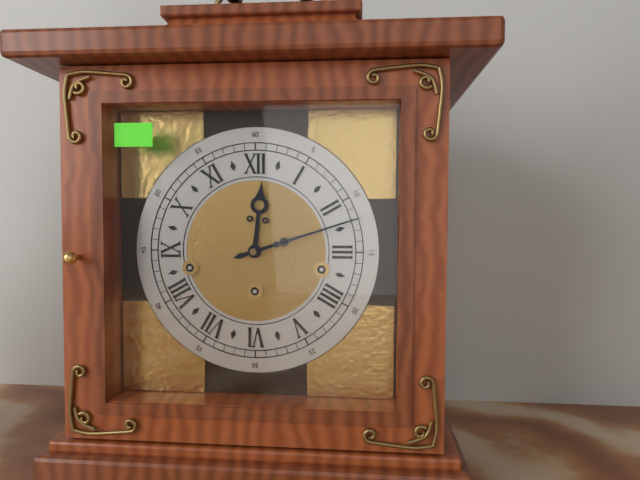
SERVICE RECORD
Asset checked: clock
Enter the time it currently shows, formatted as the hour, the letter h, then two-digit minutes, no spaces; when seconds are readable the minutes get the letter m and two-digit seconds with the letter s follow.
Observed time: 12h12
